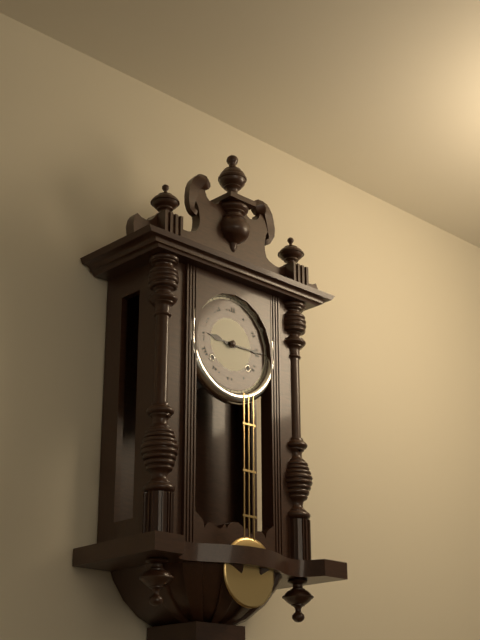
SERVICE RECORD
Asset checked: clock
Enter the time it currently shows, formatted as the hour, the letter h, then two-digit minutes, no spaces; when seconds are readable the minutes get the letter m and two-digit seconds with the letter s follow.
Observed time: 9h15
